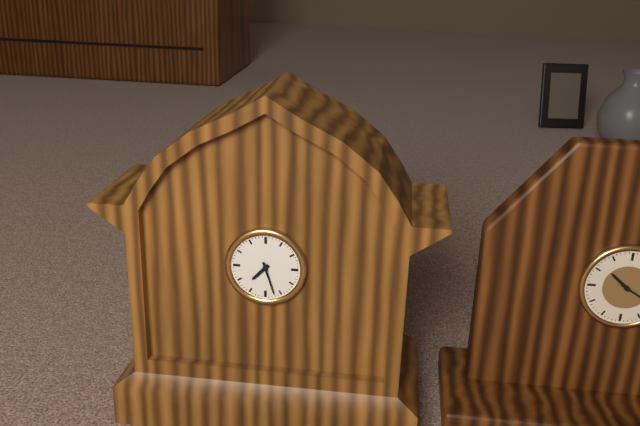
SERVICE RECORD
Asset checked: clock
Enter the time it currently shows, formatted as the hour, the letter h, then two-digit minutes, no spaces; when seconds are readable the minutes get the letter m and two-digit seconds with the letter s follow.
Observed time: 7h27
